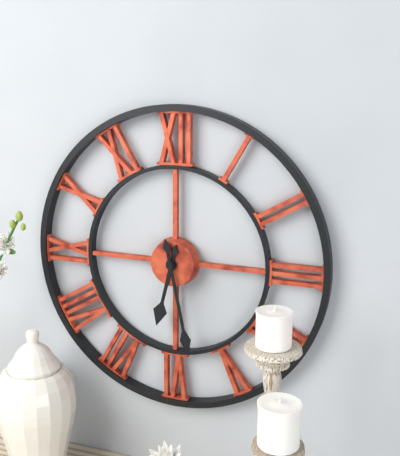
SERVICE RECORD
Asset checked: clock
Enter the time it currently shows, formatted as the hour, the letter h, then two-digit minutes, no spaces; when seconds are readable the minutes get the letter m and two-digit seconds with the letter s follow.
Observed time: 6h28
